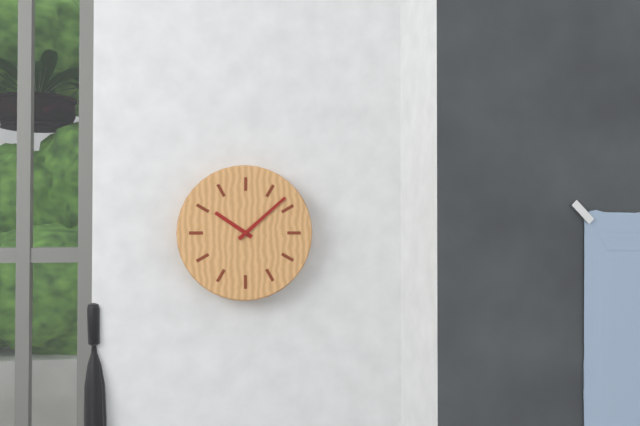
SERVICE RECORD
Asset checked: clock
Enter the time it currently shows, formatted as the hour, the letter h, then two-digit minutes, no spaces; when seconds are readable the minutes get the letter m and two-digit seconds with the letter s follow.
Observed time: 10h08
